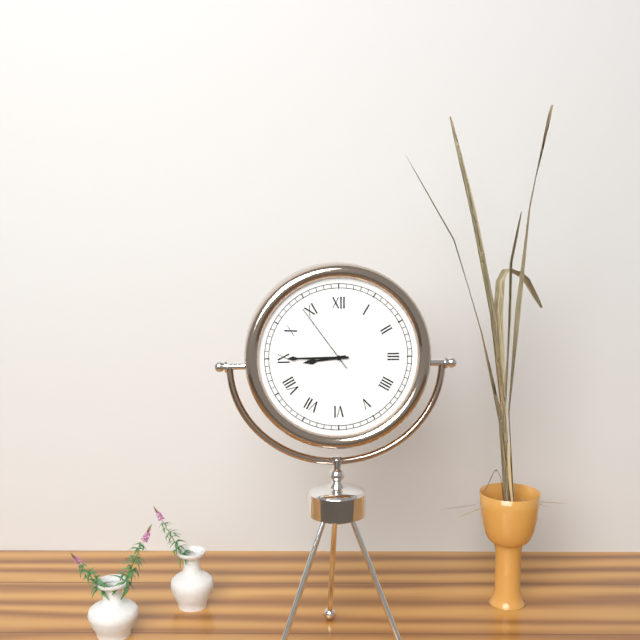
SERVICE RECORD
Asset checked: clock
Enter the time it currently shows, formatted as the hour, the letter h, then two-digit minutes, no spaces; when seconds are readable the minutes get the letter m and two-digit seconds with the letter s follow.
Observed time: 8h45m54s
